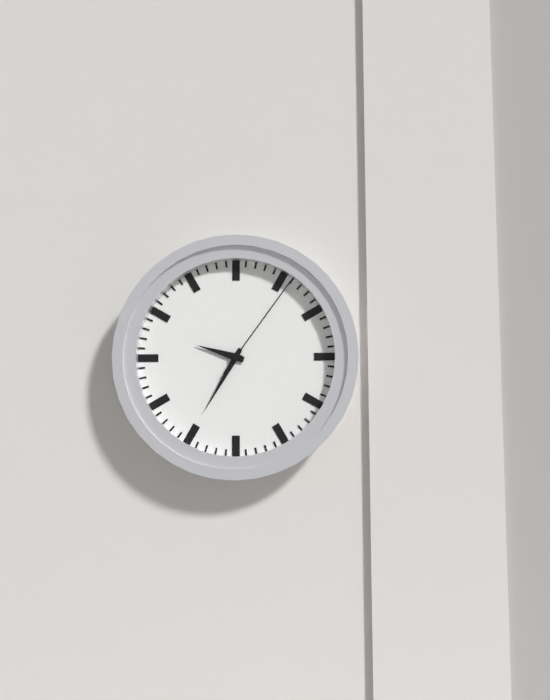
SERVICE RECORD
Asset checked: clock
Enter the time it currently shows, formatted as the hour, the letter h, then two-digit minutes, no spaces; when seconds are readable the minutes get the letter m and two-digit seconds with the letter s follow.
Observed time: 9h35m06s
